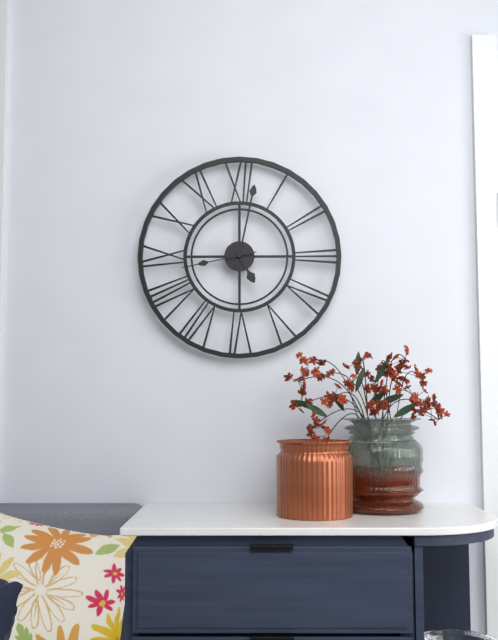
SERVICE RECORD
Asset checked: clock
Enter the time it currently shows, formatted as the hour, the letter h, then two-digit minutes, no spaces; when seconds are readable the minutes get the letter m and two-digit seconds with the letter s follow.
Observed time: 5h02m43s
